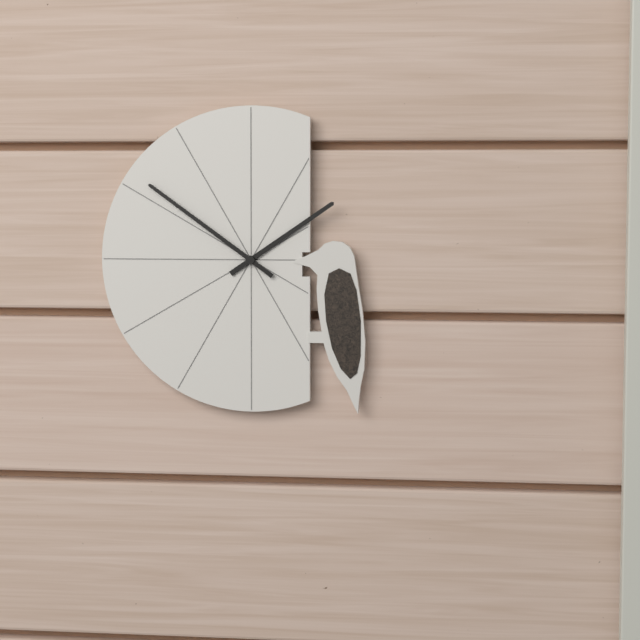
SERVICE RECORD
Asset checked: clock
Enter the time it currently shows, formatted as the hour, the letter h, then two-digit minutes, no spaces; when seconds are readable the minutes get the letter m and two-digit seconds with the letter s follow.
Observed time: 1h51
